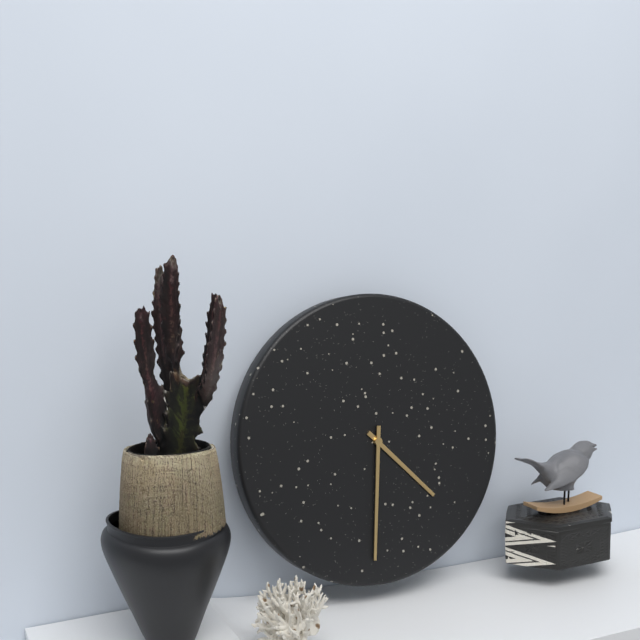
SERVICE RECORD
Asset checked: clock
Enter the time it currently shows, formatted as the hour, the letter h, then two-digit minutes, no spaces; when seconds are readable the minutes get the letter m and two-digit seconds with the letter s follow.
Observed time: 4h31
